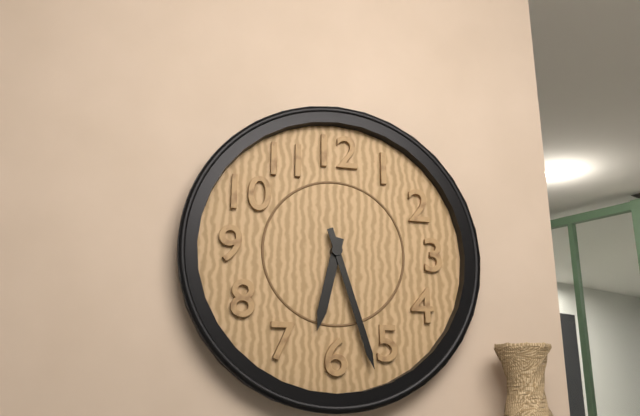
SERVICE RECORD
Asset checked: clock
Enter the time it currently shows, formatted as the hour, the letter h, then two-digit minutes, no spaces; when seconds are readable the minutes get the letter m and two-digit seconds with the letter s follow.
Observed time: 6h27
